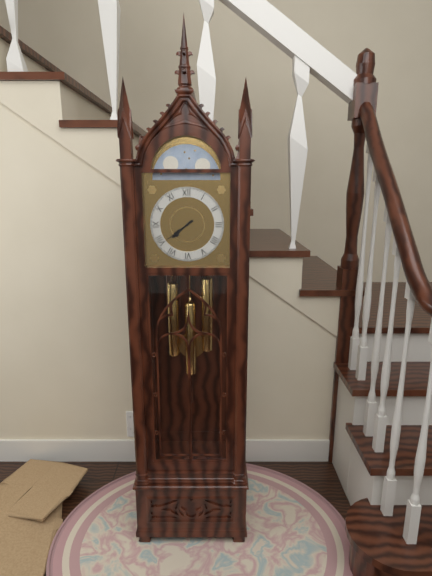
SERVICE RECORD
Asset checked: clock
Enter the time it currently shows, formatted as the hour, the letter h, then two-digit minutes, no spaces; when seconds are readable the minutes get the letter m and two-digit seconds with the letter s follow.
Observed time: 7h39
